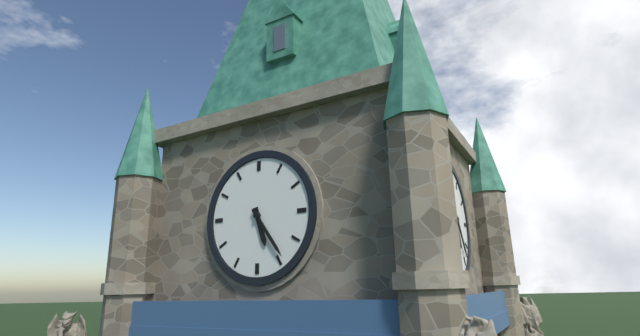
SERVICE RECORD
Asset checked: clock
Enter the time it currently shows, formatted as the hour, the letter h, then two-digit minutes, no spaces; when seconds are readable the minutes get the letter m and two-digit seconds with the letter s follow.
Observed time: 5h24
